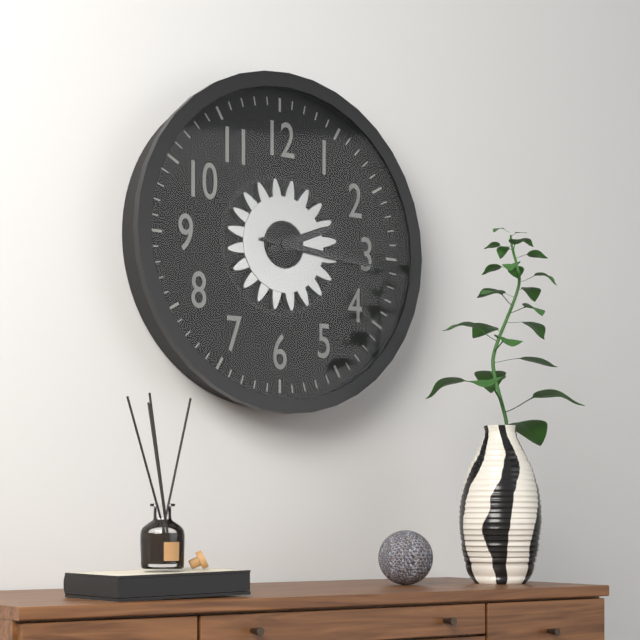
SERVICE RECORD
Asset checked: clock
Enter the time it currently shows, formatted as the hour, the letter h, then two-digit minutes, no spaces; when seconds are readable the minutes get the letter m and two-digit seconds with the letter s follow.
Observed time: 2h16
